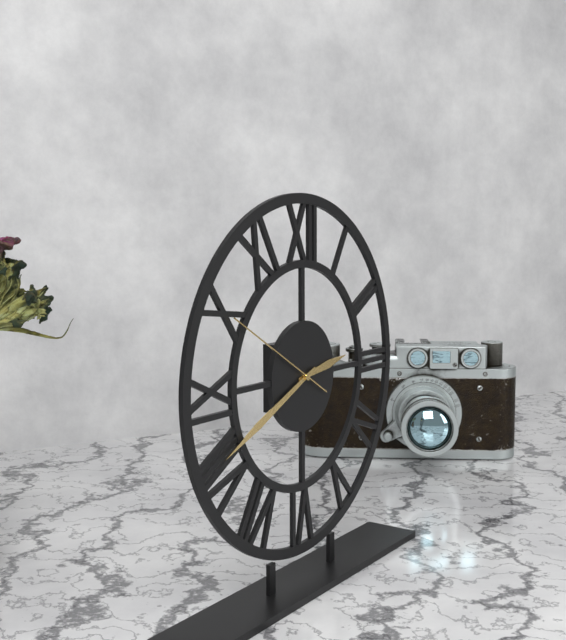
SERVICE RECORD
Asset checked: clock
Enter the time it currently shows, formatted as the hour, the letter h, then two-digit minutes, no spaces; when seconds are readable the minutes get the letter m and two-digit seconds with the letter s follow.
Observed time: 2h41m50s
